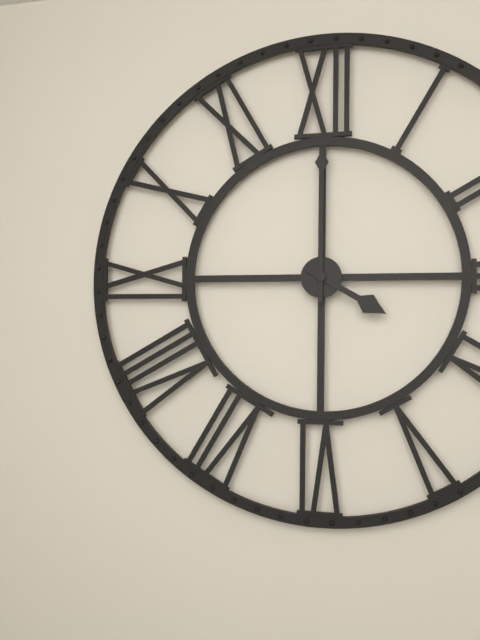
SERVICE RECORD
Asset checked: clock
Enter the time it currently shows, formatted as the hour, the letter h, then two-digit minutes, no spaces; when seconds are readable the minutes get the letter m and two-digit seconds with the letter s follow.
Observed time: 4h00
